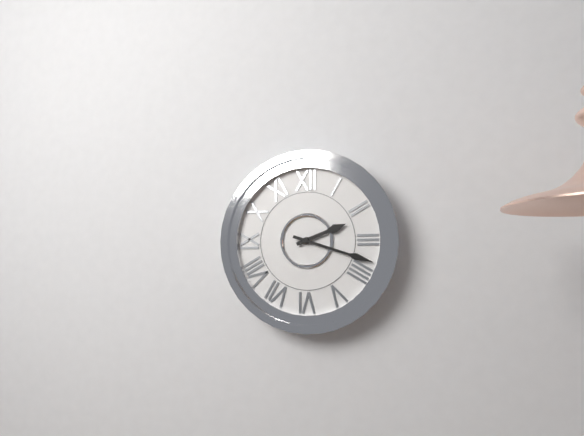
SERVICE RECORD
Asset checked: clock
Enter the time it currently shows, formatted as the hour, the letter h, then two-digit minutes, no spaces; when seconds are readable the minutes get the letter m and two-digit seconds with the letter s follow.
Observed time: 2h18
